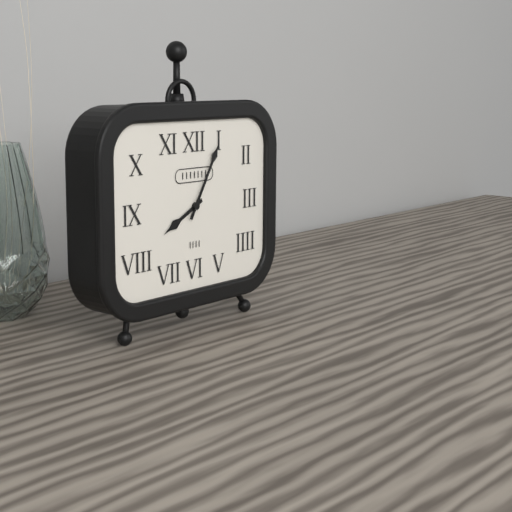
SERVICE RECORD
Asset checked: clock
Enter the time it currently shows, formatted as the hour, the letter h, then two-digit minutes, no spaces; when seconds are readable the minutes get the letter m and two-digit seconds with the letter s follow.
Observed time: 8h05
